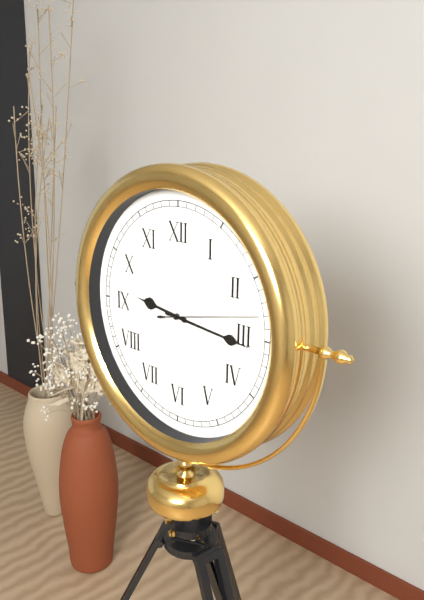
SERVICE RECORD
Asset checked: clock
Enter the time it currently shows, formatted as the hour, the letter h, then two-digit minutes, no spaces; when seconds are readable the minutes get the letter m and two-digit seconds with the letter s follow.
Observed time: 9h16m13s
